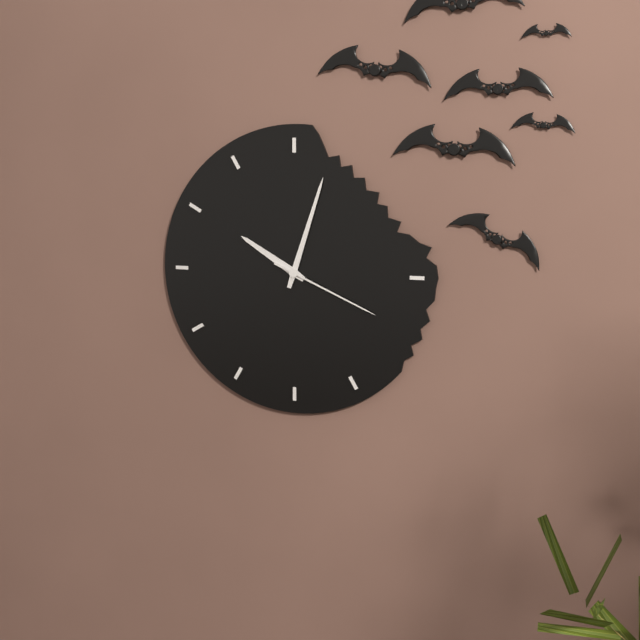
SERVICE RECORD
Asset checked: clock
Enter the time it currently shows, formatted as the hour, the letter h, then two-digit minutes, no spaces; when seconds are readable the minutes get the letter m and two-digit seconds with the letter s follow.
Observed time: 10h03m19s
